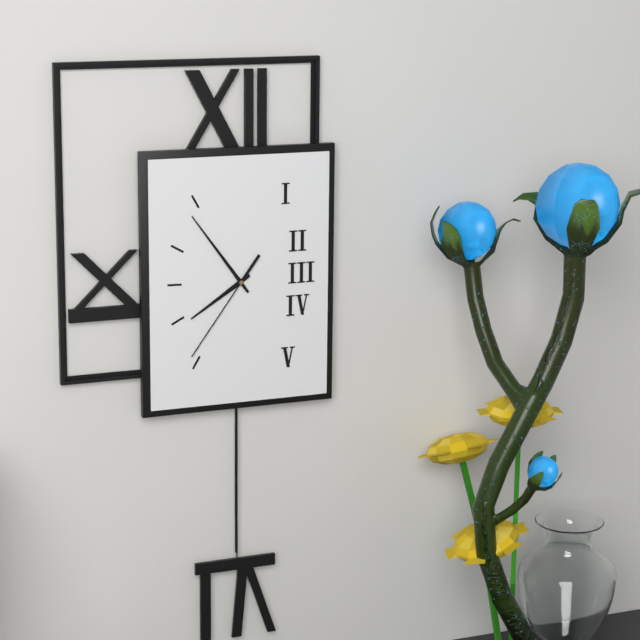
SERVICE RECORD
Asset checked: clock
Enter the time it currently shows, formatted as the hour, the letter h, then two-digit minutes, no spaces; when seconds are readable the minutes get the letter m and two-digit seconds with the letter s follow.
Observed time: 7h54m36s
